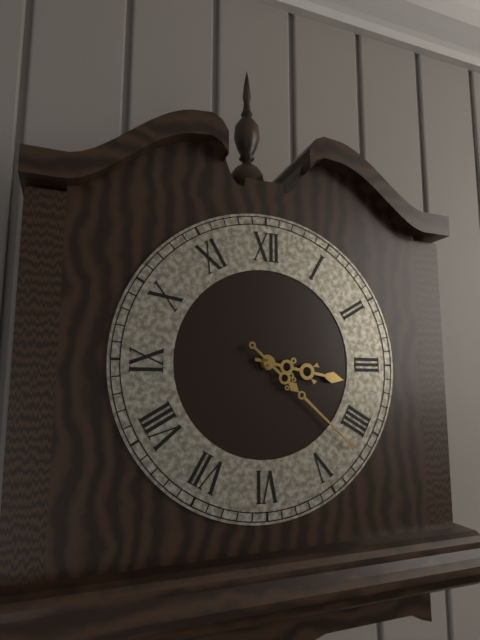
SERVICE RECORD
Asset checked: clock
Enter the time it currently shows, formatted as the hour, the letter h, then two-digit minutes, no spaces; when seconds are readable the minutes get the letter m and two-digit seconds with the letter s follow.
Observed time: 3h22
